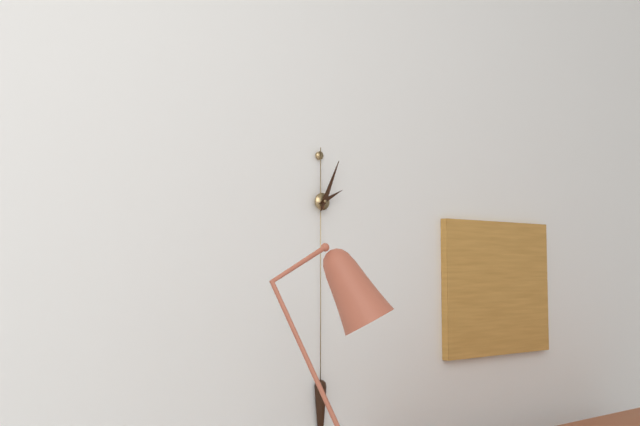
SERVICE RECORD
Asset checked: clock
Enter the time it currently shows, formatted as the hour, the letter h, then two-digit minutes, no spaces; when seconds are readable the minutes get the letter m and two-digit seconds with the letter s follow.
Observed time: 2h04
